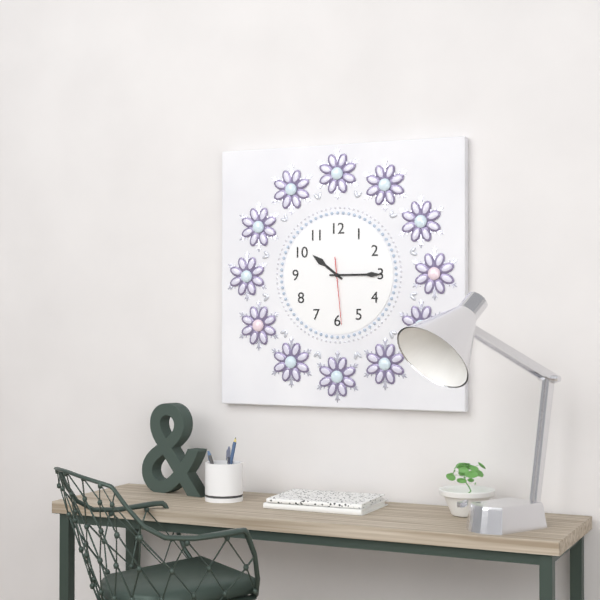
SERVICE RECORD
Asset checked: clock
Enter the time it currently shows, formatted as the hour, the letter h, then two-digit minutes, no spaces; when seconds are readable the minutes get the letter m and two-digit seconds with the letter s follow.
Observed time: 10h15m29s
